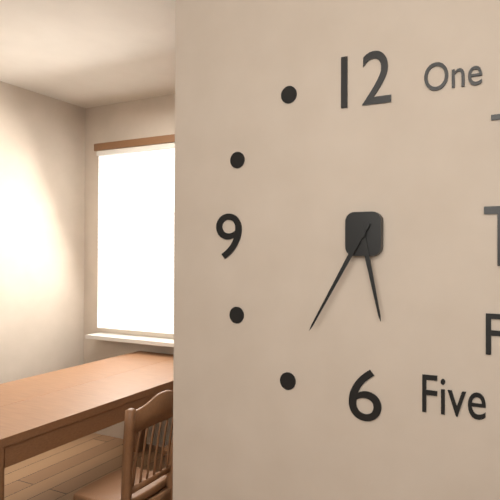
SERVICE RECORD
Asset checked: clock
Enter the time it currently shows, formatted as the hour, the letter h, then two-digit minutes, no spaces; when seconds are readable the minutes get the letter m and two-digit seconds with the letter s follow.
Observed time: 5h35
